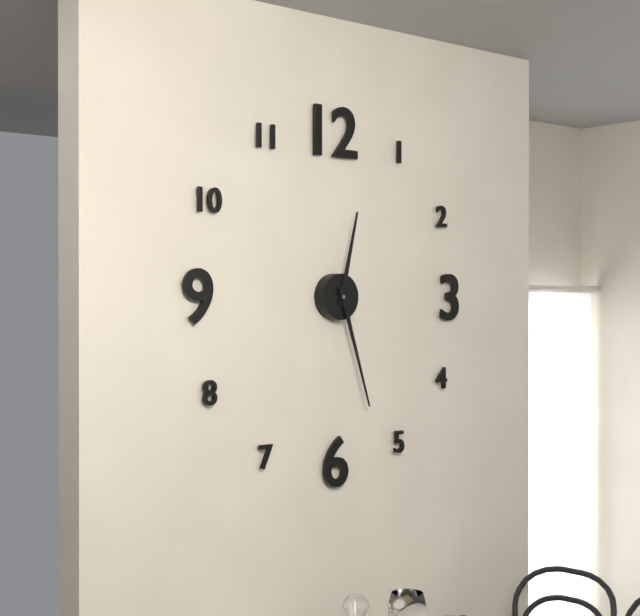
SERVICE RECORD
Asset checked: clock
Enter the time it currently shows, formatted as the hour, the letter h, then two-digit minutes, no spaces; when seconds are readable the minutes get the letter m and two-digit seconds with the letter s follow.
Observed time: 12h27
